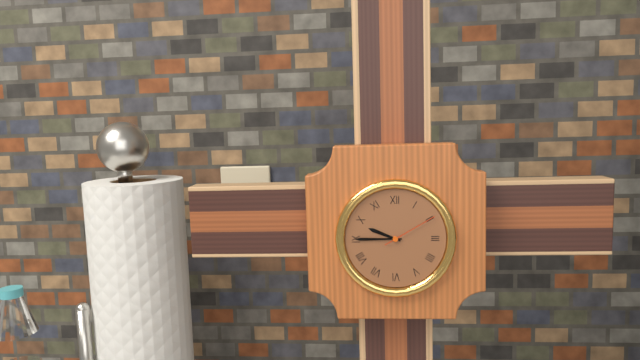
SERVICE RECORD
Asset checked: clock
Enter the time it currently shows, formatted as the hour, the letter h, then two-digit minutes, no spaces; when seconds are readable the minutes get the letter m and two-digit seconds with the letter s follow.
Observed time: 9h45m10s
